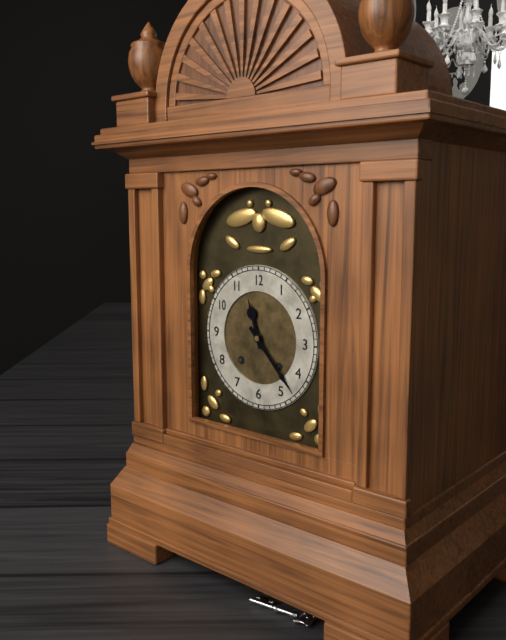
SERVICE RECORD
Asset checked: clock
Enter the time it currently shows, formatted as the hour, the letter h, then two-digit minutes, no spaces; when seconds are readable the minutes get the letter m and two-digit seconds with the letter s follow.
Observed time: 11h23
